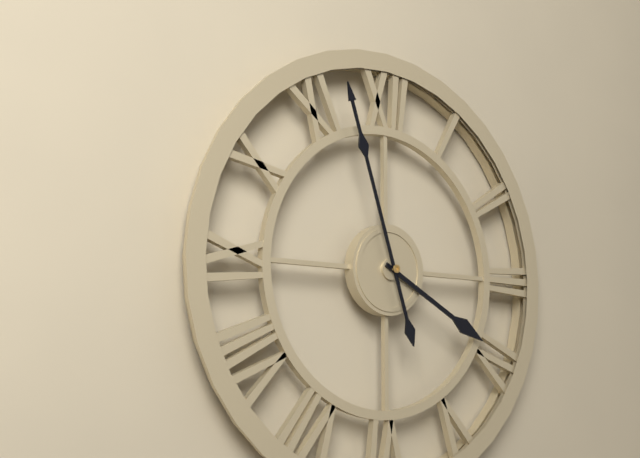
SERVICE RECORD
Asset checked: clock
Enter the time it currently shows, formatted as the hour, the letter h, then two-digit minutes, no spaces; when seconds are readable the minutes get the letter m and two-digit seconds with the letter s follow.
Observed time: 3h57
